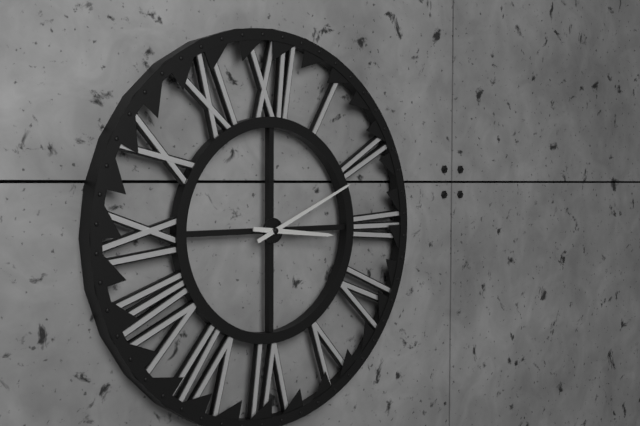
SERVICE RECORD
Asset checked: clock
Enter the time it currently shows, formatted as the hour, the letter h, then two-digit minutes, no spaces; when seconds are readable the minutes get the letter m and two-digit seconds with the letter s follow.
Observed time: 3h11
